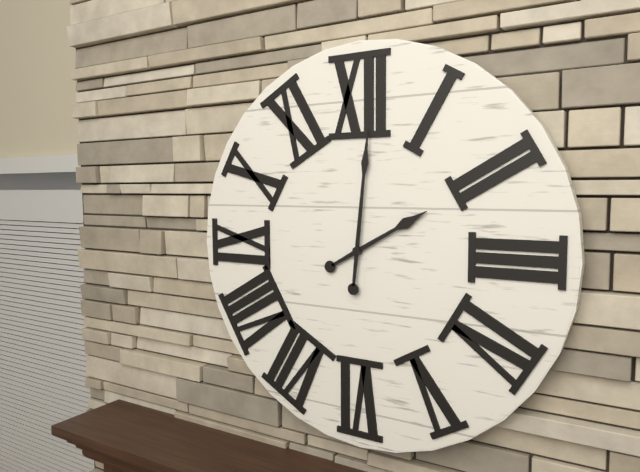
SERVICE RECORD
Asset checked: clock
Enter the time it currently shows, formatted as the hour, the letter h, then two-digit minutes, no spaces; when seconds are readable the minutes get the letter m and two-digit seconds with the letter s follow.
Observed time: 2h01
